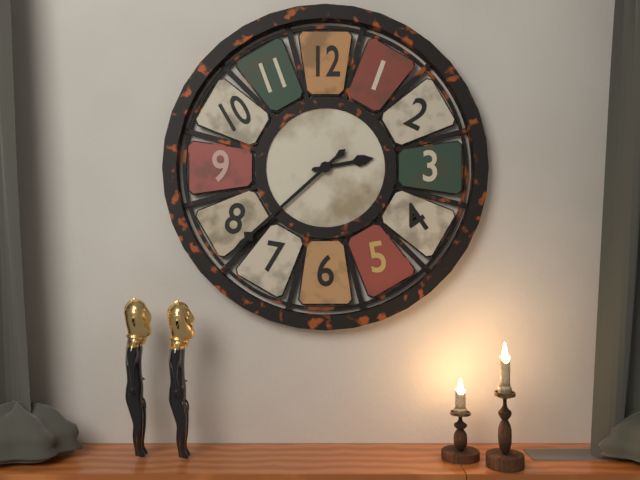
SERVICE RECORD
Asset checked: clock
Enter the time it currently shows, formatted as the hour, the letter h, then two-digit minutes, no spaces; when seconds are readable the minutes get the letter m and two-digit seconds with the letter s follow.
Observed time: 2h38
